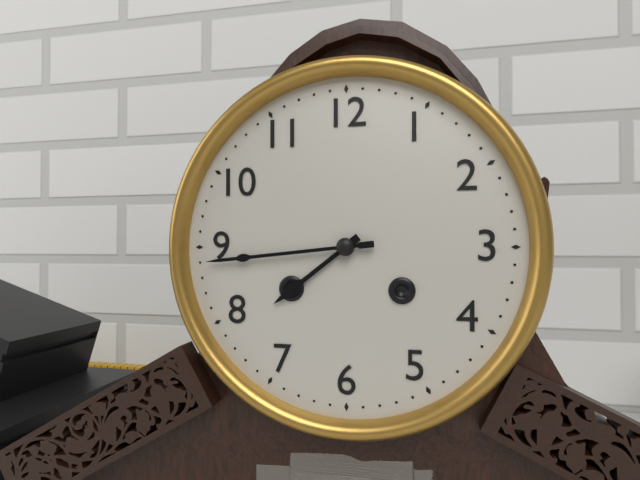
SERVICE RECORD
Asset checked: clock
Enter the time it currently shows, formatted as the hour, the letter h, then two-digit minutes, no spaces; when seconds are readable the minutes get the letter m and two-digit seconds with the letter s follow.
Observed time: 7h44
